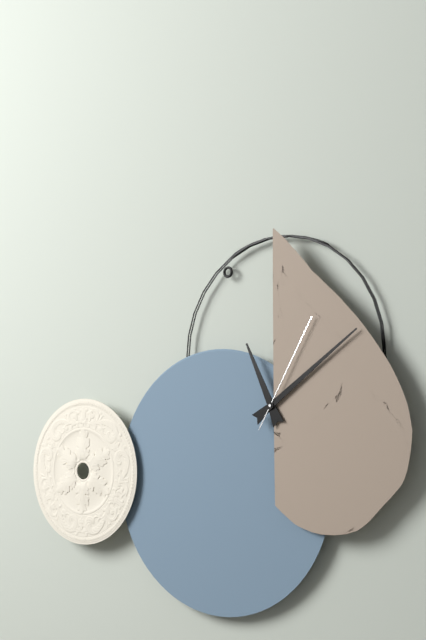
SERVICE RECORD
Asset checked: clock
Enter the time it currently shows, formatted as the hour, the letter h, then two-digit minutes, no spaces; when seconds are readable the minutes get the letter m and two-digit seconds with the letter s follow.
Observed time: 11h09m05s
